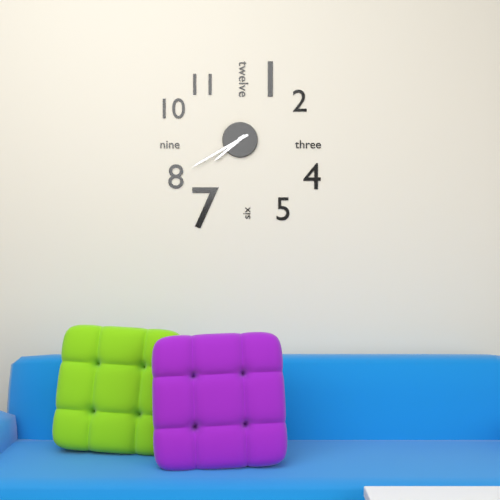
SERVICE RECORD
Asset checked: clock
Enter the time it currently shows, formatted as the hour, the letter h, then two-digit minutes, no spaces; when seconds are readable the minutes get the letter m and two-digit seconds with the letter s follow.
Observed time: 7h40
